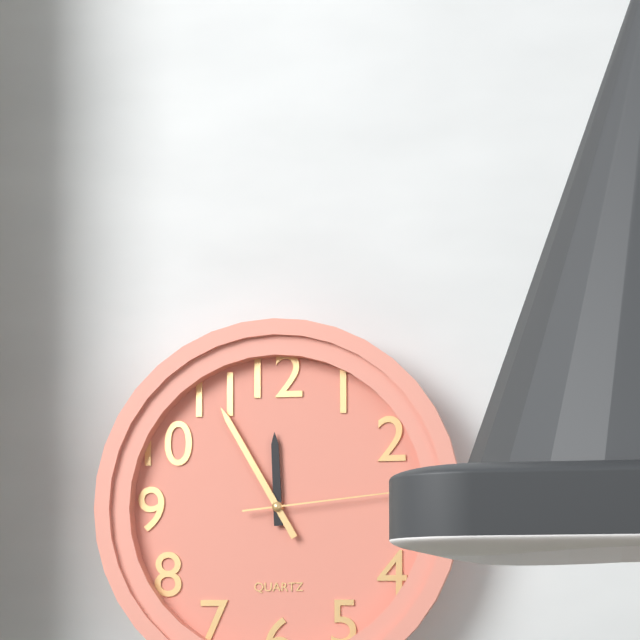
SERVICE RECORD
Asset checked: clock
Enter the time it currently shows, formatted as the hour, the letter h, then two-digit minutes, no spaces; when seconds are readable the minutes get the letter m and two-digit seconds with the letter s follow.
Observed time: 11h55m14s
